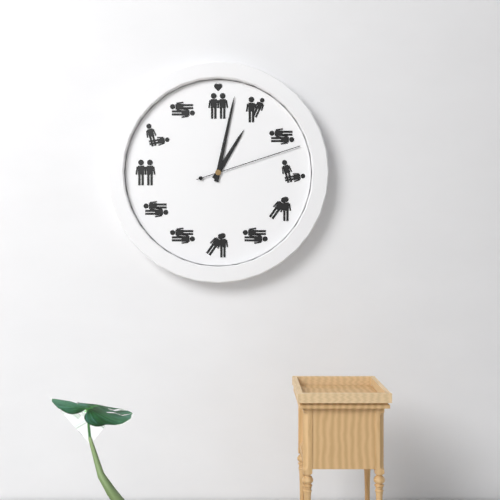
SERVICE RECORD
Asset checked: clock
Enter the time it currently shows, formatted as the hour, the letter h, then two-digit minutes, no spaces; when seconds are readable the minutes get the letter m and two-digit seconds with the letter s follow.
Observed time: 1h02m12s
